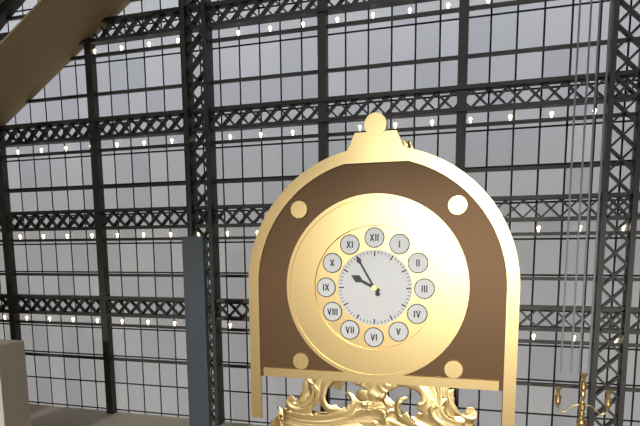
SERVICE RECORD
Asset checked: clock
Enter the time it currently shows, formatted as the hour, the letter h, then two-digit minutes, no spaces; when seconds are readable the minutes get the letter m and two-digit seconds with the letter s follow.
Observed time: 9h55
